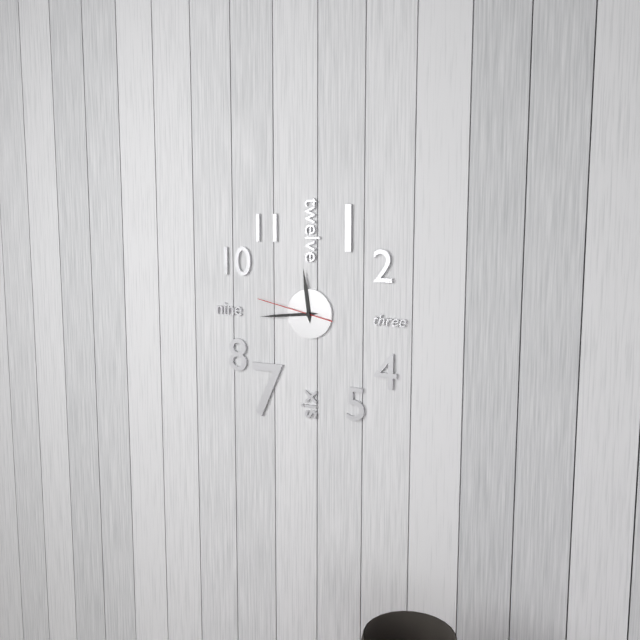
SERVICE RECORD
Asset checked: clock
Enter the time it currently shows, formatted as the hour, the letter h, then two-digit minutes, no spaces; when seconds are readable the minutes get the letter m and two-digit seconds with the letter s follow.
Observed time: 11h44m47s
